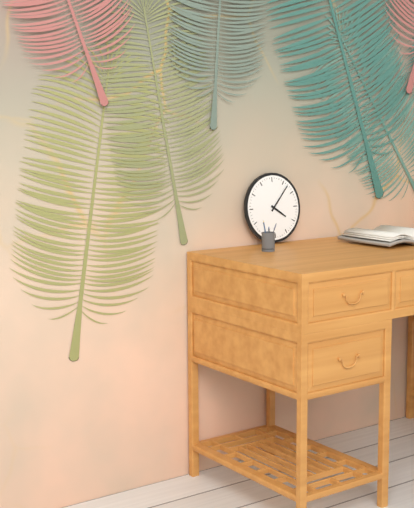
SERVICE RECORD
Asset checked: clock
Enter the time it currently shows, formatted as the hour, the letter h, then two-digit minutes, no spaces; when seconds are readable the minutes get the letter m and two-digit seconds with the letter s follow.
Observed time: 4h07
